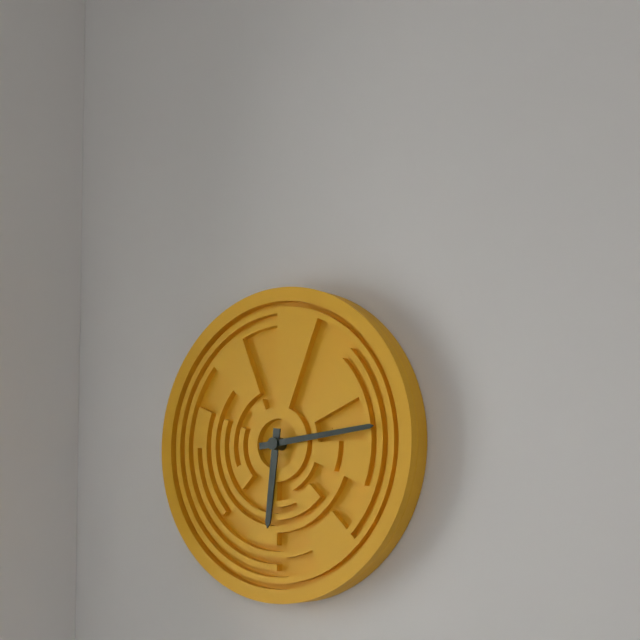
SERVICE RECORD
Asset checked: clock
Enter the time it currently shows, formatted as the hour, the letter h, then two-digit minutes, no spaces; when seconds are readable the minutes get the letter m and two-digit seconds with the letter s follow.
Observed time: 6h14
